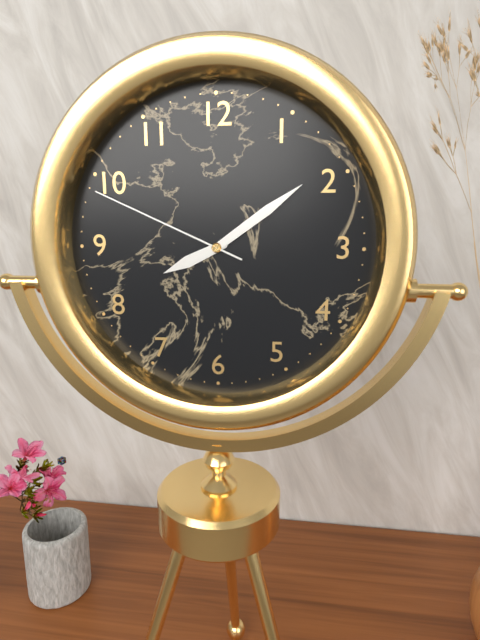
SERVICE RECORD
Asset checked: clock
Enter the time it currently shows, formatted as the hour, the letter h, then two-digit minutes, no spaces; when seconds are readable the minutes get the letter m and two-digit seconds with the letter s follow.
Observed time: 8h09m49s
